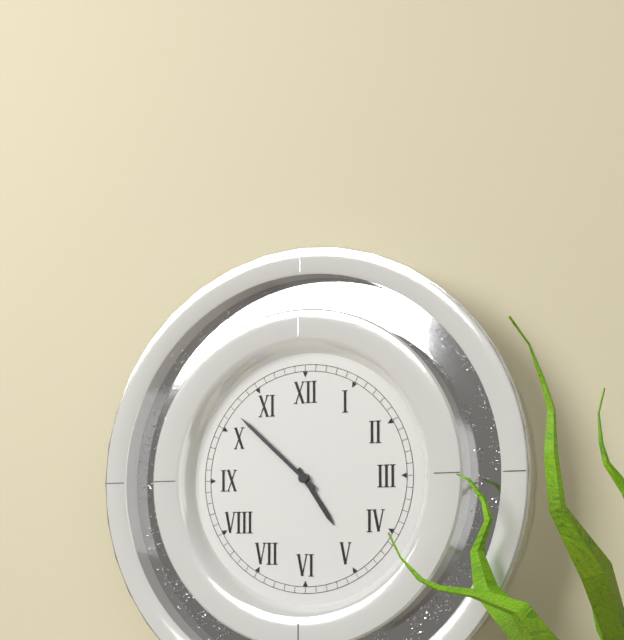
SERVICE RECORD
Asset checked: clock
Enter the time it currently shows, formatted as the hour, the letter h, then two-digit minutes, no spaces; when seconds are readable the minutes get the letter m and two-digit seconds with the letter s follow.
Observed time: 4h52
